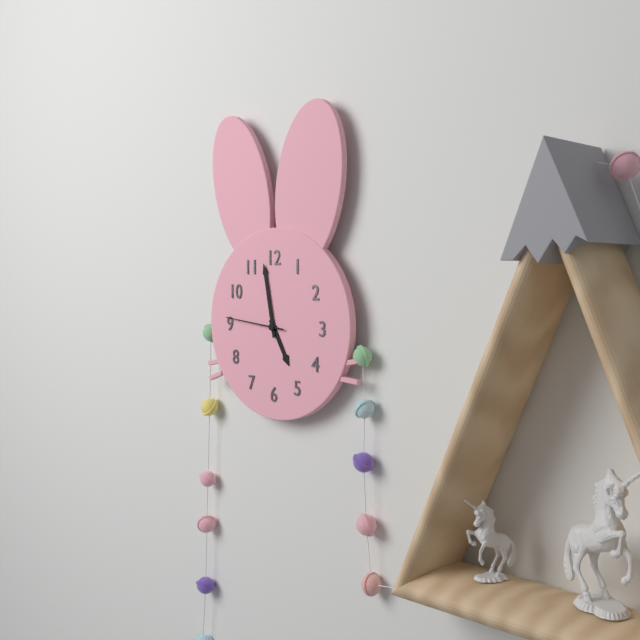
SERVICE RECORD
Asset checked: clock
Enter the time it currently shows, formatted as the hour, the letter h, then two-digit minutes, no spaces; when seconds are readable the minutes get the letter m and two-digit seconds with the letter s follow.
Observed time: 4h58m46s
